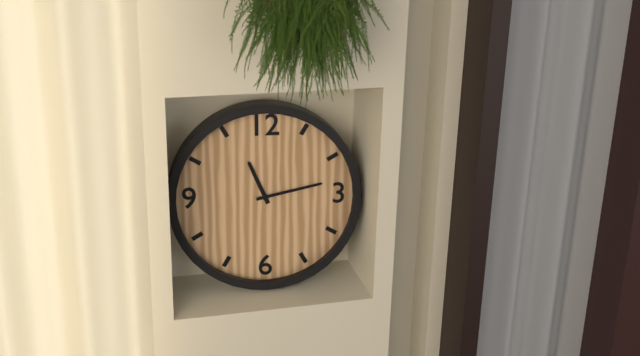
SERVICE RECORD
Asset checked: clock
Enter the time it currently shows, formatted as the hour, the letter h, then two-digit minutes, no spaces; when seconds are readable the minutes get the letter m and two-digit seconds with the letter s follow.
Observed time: 11h13
